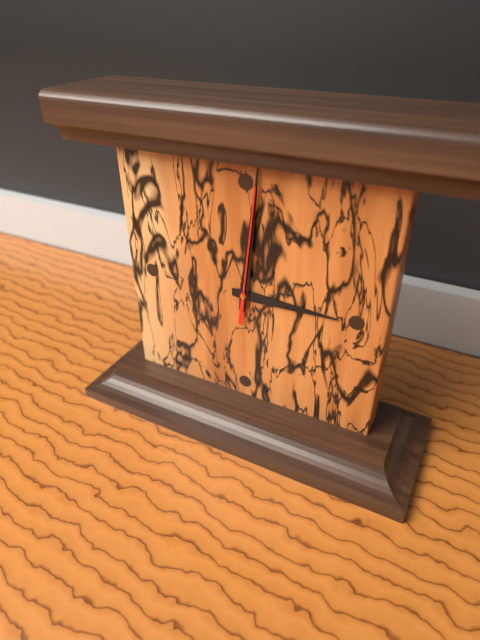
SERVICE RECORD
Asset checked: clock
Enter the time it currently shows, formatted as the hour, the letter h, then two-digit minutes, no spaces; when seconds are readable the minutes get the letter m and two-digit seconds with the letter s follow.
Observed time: 3h01m01s
